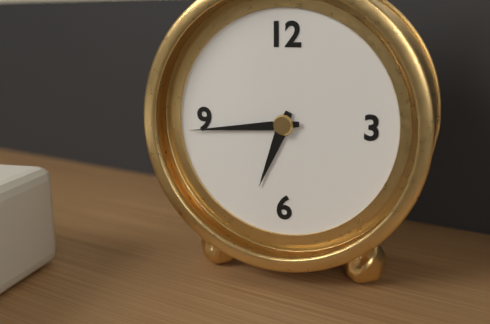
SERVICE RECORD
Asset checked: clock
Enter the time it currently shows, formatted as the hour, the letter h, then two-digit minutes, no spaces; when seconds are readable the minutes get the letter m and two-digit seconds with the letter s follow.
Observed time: 6h44
